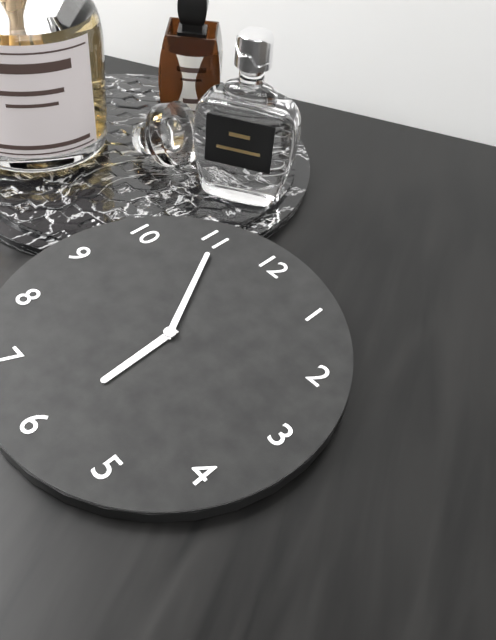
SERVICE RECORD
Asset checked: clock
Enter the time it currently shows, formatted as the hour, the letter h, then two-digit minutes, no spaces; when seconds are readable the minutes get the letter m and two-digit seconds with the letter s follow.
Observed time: 5h55
